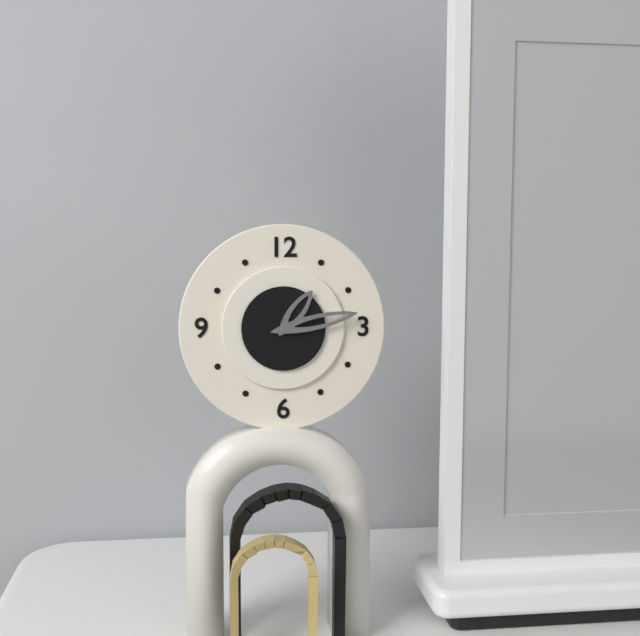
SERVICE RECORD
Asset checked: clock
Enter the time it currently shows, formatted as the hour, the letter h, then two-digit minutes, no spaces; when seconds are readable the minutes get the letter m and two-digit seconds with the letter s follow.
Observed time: 1h13
